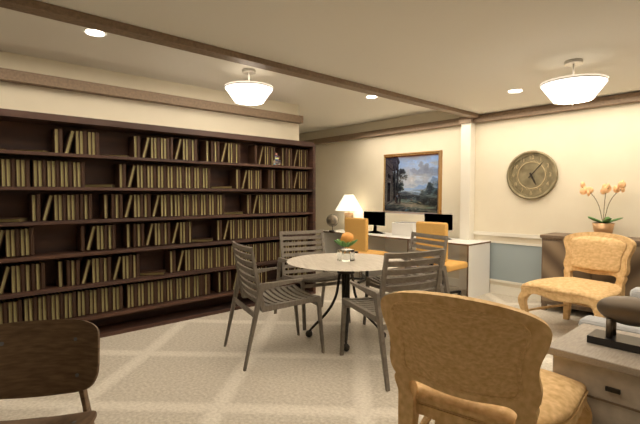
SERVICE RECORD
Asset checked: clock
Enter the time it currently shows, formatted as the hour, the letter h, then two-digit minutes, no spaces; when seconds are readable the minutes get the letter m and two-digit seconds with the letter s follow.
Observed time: 5h07
